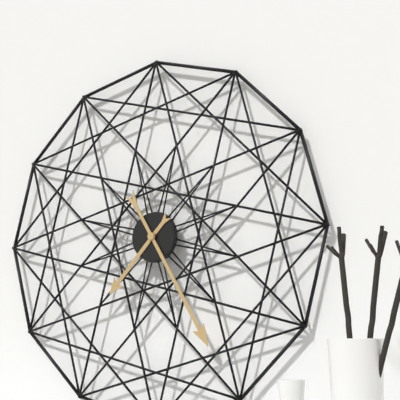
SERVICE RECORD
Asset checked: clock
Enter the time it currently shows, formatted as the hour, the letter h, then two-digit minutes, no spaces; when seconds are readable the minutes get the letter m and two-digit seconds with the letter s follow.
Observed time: 7h25
